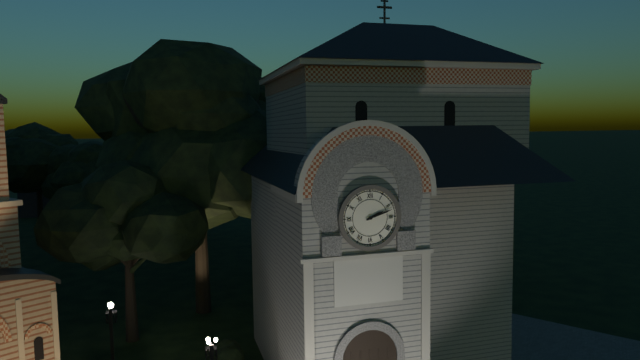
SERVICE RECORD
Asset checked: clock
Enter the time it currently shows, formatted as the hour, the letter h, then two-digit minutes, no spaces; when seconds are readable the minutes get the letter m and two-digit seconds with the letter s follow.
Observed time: 2h12
